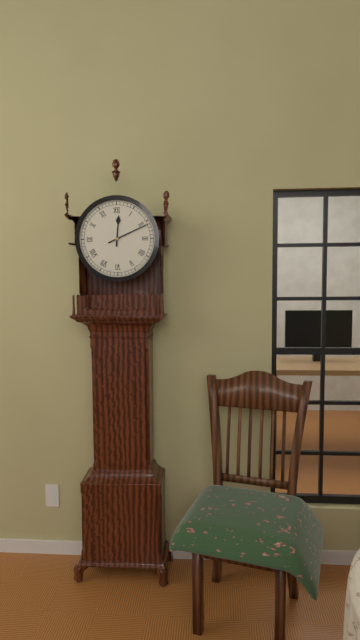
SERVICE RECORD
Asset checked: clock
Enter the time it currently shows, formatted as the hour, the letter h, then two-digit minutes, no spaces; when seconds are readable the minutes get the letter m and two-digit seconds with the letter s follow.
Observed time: 12h11
